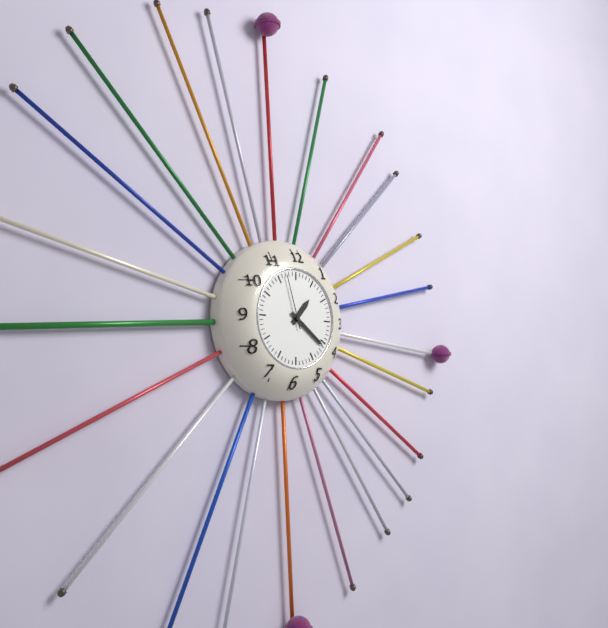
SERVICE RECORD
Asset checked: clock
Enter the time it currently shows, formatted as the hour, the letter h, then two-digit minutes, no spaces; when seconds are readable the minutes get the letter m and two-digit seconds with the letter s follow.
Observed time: 1h21m57s
